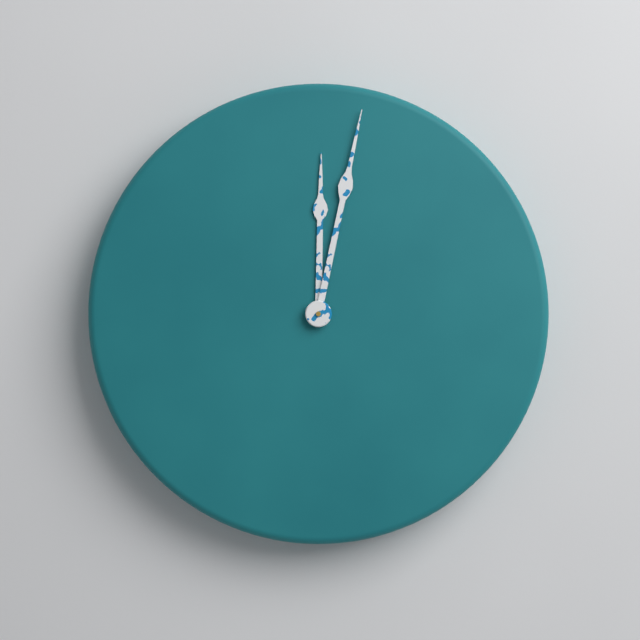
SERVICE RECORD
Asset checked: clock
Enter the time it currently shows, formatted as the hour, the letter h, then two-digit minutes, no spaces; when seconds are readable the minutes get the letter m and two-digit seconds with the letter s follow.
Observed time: 12h02
